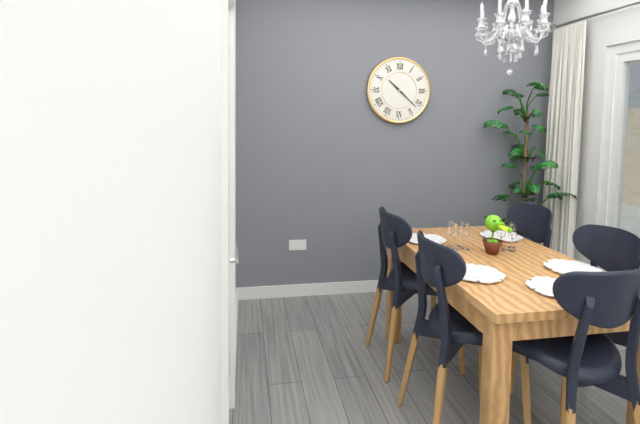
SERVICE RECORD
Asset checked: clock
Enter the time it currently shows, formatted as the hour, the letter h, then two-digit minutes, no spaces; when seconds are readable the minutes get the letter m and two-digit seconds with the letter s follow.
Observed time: 10h22
